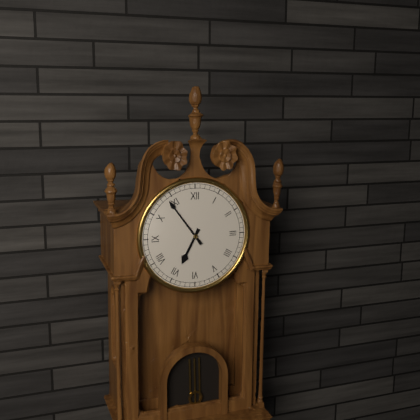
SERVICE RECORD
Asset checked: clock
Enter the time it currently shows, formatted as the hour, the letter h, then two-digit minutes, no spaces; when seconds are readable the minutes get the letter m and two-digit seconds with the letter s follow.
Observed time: 6h54
